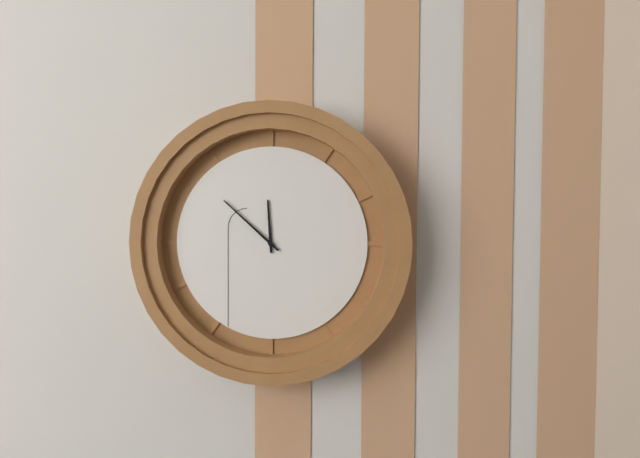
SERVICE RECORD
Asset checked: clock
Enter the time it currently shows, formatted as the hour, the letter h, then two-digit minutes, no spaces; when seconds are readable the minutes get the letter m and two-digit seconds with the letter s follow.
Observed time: 11h52
